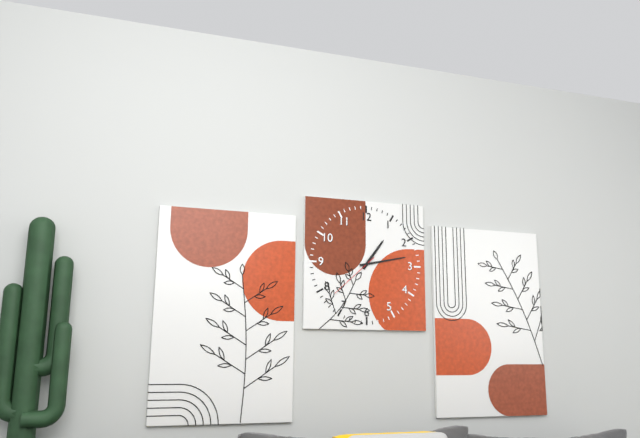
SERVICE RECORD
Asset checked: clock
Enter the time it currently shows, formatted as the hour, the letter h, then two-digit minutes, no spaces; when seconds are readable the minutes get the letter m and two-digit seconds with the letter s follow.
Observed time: 1h13m38s
